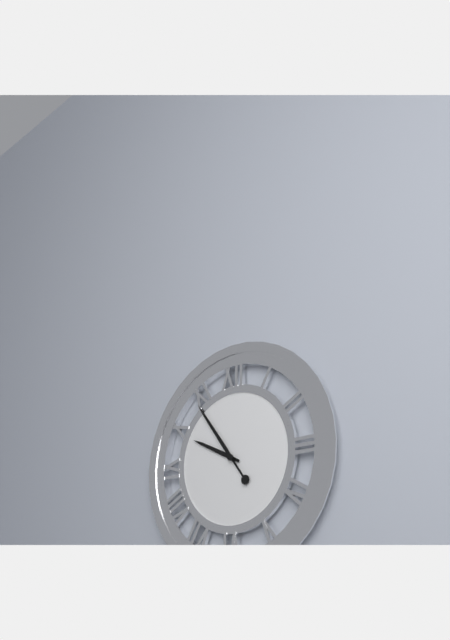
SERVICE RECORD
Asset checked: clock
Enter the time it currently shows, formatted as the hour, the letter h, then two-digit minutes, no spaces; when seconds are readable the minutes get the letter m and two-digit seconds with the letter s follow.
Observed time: 9h54
